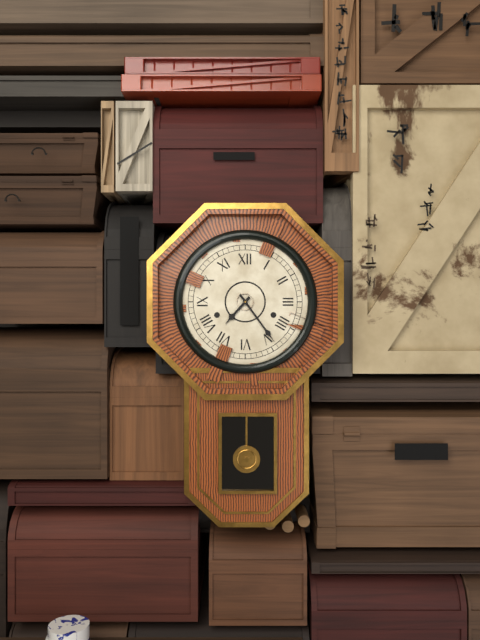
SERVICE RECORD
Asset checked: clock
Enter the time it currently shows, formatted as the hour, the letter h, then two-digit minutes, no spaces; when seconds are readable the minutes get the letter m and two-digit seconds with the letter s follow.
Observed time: 7h24
